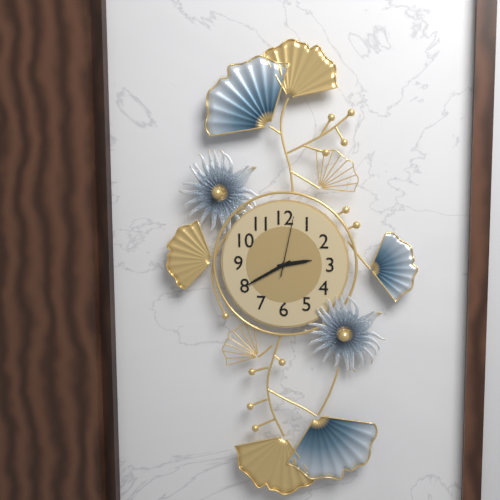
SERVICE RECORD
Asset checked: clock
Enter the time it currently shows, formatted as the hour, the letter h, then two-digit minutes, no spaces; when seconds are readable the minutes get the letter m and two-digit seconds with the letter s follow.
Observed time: 2h40m02s
